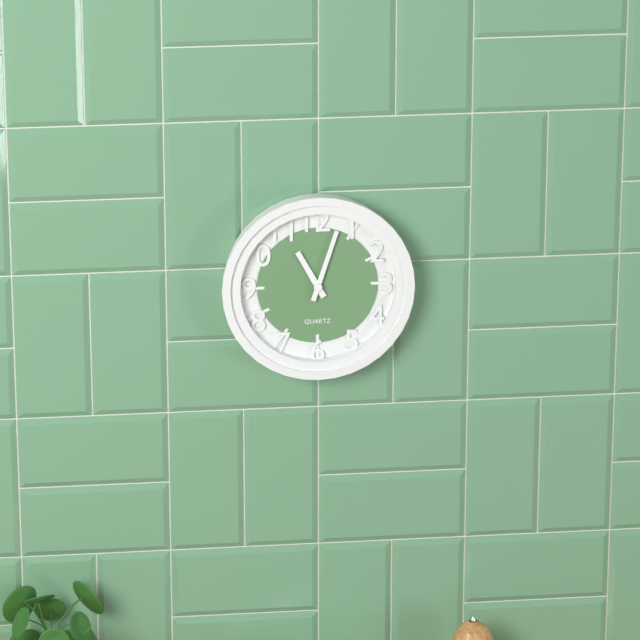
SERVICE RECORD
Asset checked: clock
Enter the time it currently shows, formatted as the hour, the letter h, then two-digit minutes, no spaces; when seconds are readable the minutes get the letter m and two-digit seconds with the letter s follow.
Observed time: 11h03
